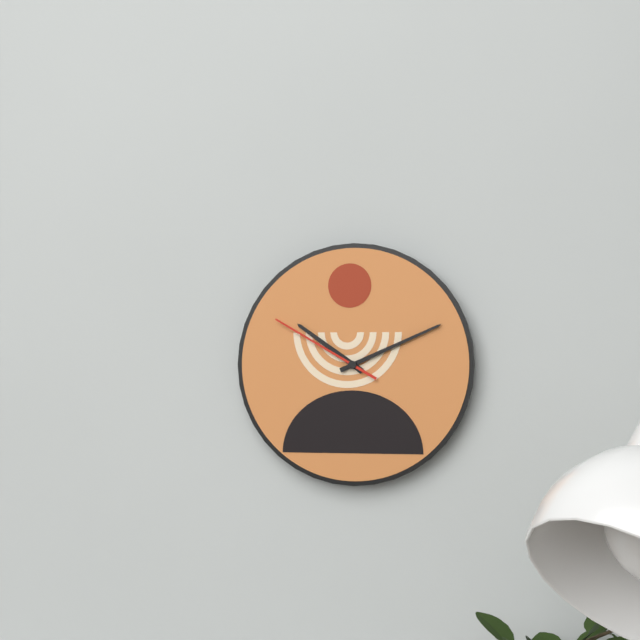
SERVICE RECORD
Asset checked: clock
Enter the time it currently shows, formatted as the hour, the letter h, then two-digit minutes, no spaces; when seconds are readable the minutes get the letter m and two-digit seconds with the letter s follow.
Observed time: 10h11m50s
